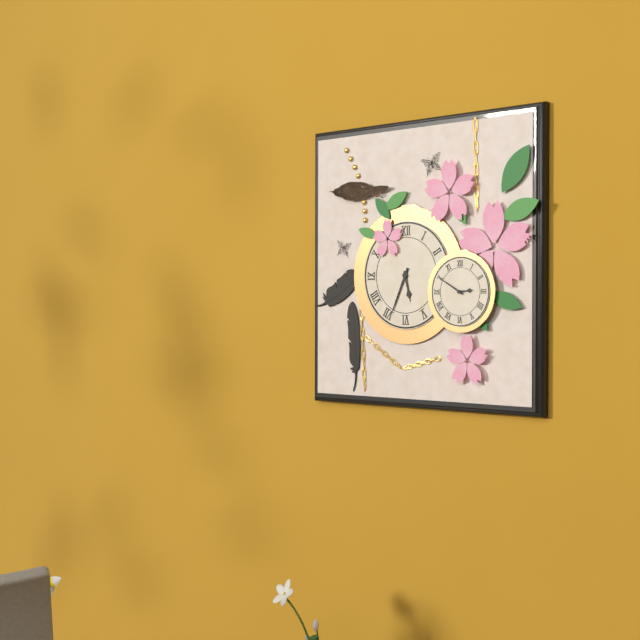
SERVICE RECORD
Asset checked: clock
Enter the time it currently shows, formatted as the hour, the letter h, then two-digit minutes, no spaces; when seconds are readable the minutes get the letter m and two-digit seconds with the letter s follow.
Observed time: 5h34
